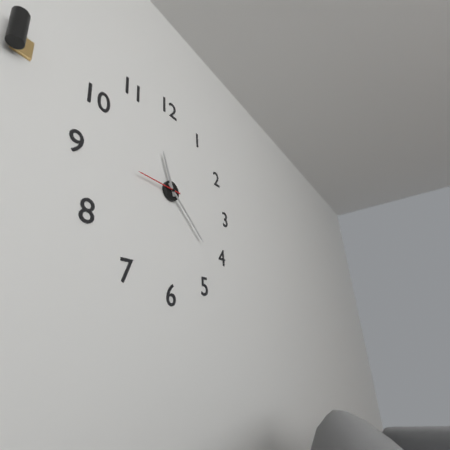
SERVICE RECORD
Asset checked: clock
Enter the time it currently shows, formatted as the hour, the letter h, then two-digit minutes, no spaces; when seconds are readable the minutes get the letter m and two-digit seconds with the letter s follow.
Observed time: 11h22
